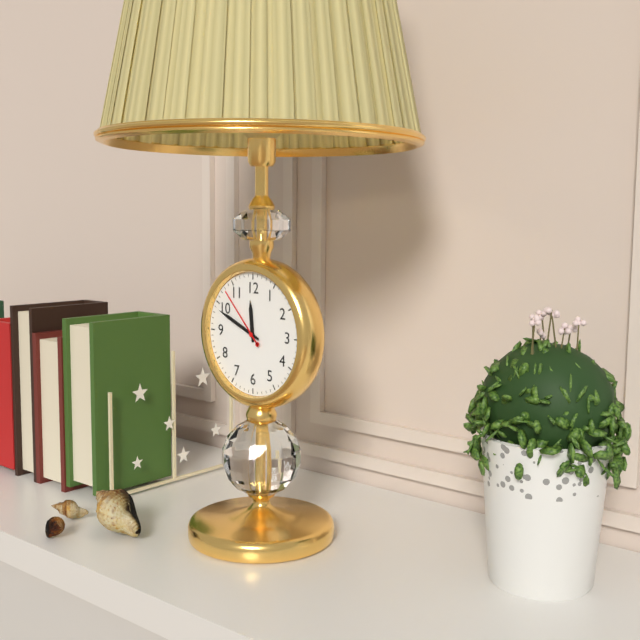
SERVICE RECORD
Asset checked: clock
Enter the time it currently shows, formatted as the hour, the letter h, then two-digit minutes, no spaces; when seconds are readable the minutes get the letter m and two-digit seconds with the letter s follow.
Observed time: 11h49m53s
